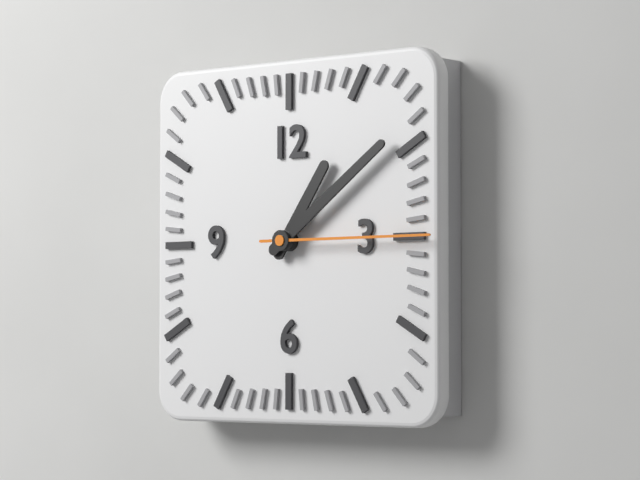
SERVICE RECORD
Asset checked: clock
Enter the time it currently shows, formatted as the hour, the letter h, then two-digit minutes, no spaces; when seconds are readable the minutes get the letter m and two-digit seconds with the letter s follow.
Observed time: 1h09m15s
